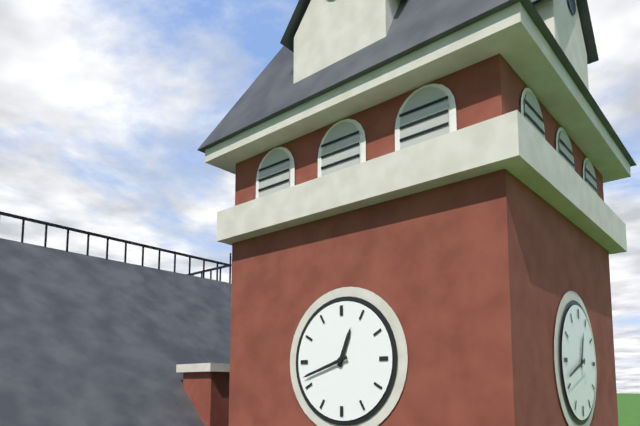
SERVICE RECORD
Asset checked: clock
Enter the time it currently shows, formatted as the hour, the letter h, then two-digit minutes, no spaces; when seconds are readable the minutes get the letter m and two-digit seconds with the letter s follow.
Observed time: 12h42
